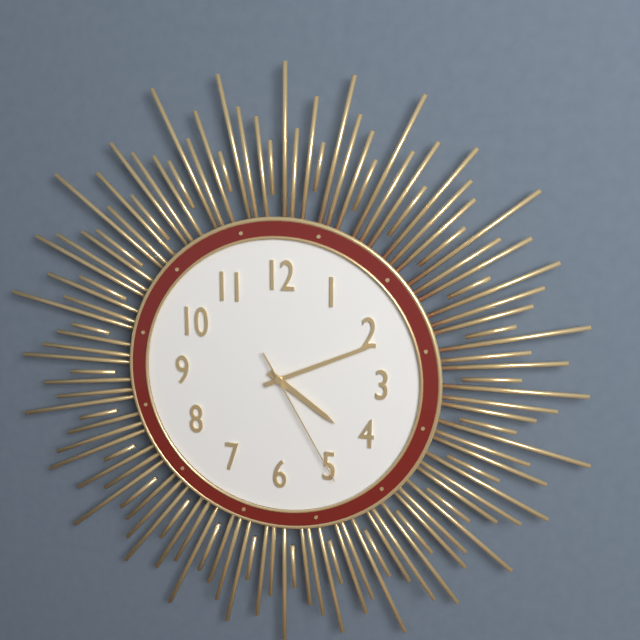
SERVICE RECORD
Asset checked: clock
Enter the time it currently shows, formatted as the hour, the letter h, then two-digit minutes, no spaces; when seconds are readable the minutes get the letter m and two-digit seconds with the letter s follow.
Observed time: 4h11m25s
